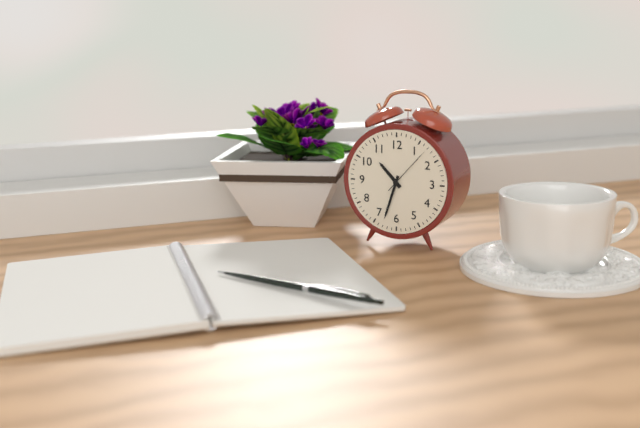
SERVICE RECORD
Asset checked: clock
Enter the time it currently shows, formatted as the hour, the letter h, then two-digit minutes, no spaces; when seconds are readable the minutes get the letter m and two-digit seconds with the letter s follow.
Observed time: 10h33m07s
